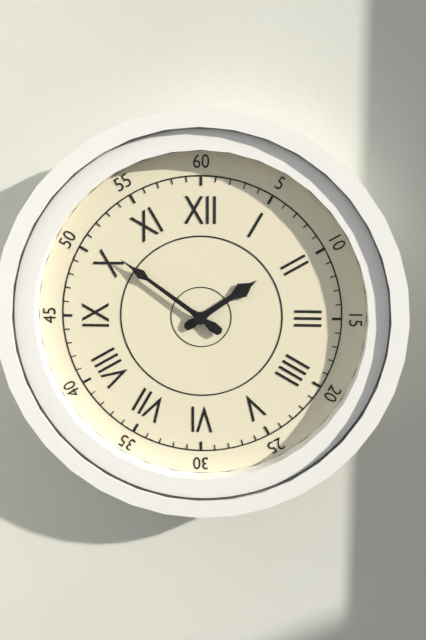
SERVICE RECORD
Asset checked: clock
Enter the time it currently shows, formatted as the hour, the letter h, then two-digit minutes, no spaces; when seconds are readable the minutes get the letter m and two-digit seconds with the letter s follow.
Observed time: 1h51
